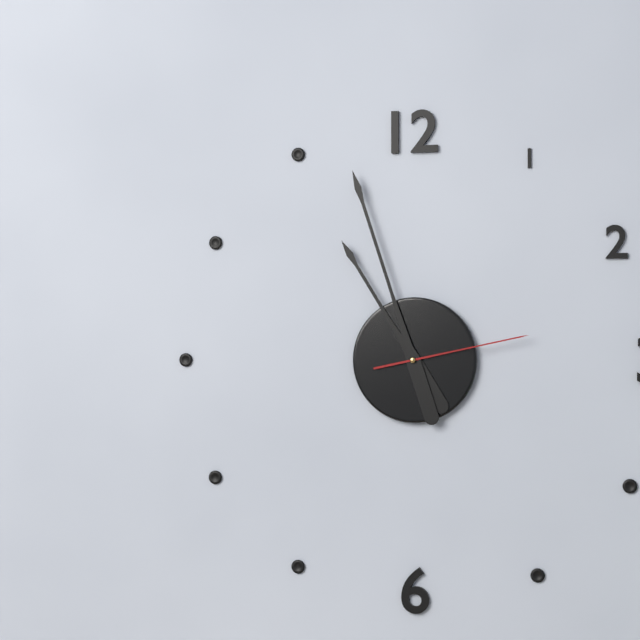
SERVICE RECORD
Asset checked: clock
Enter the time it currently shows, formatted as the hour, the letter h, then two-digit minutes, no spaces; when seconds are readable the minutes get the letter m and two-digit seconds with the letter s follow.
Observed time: 10h57m13s
